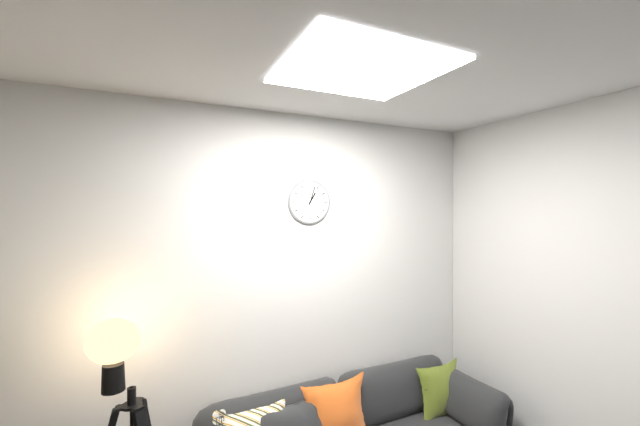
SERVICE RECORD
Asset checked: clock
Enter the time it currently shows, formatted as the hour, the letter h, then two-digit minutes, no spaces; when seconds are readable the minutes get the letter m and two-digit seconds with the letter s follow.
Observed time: 1h03
